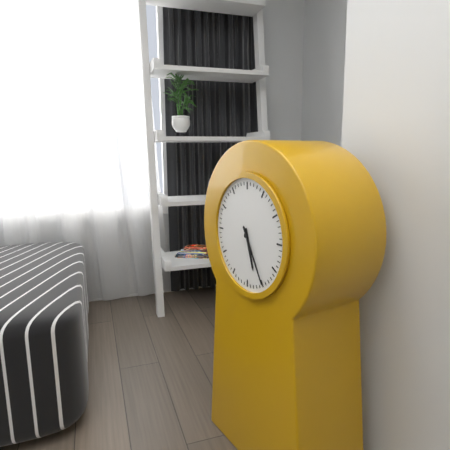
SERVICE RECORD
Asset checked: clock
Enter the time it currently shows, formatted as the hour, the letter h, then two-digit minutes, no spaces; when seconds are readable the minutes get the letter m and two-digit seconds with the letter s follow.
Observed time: 5h25
